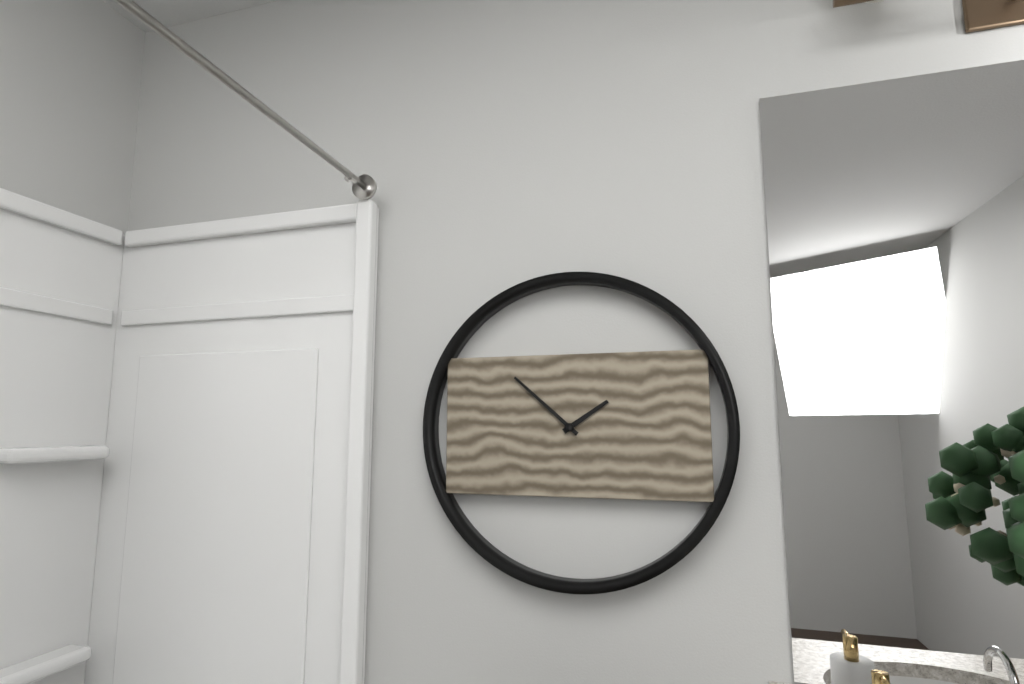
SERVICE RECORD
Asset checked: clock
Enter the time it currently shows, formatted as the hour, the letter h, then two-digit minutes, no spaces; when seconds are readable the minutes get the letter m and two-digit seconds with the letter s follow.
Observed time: 1h52
